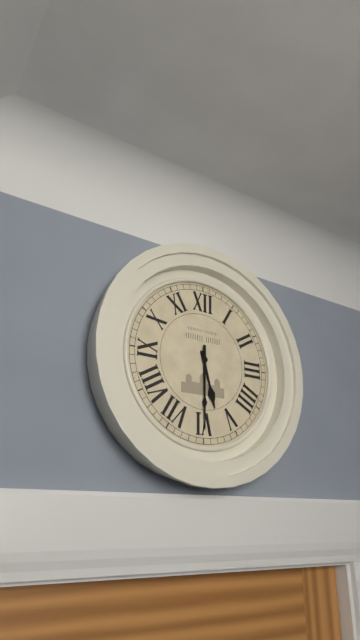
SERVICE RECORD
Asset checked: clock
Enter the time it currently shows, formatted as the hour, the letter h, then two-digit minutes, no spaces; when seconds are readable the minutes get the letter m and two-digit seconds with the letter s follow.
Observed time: 5h30
